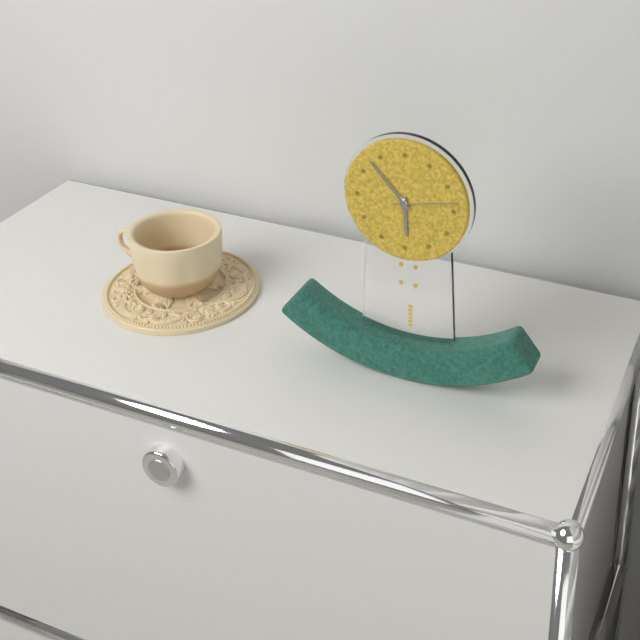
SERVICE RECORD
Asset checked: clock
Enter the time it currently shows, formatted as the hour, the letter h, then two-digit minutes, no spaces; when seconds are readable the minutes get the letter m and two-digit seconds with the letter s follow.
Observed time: 5h53m13s
